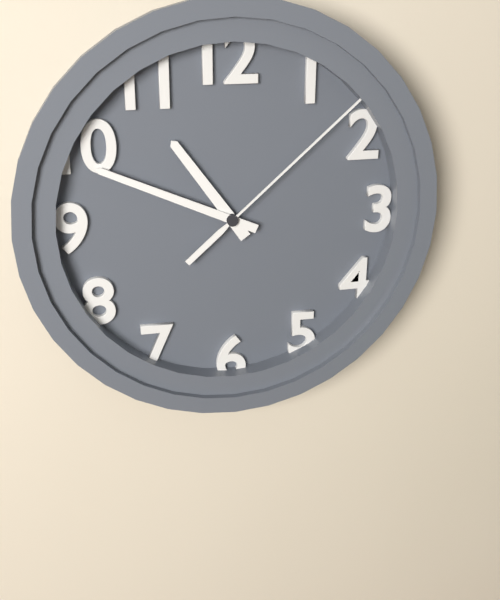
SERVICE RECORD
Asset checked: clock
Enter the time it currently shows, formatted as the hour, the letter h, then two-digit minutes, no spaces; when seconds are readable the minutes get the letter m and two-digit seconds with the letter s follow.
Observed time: 10h49m08s
